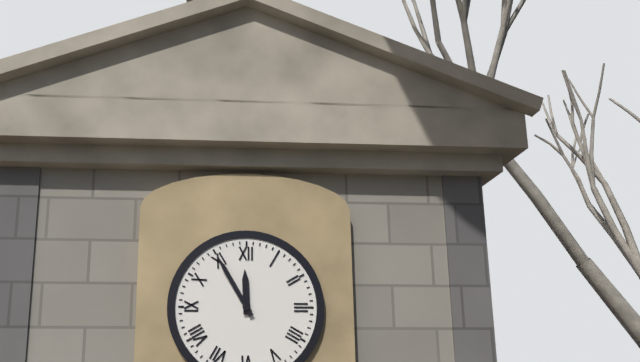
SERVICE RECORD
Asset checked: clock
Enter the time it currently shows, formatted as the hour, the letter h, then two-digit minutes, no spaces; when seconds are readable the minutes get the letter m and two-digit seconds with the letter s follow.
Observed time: 11h55
